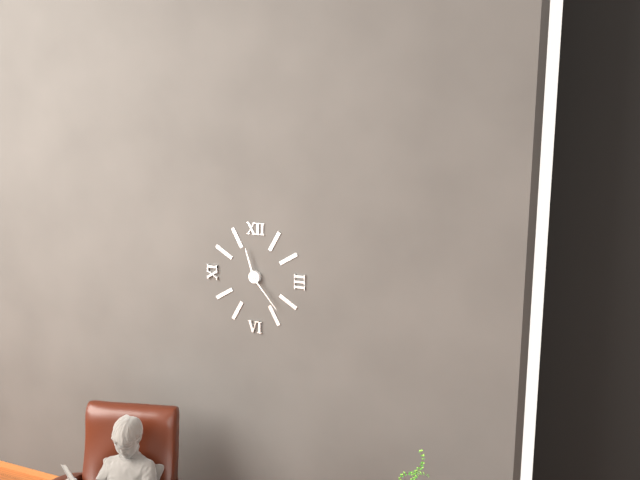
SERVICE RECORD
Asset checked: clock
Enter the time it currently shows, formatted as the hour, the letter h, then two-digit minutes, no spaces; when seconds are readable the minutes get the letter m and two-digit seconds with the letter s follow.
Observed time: 11h23
